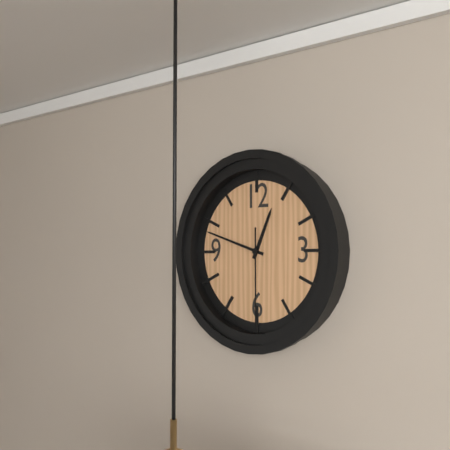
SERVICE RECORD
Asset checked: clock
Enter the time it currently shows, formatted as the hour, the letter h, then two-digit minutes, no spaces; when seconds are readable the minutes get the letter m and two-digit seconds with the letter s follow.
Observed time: 12h48m30s
